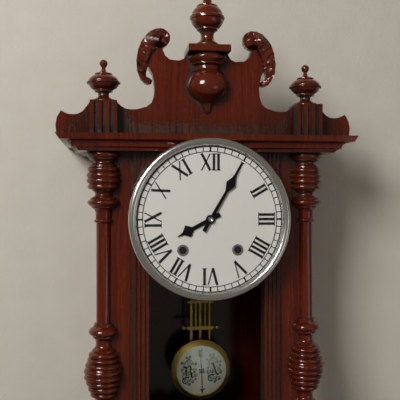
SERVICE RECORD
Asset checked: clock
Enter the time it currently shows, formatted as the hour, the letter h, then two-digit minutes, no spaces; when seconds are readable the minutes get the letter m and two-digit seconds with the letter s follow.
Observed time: 8h05
